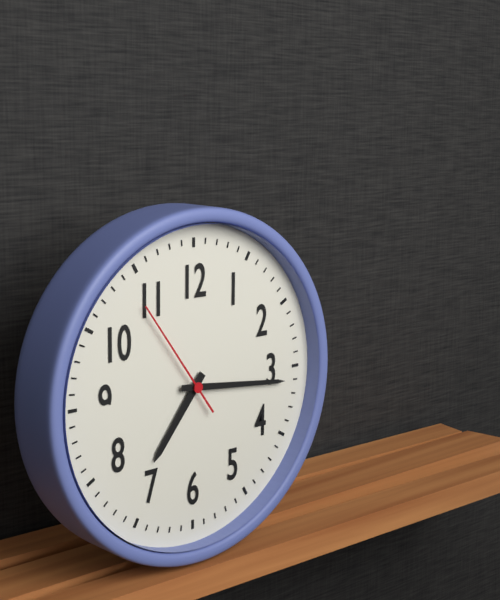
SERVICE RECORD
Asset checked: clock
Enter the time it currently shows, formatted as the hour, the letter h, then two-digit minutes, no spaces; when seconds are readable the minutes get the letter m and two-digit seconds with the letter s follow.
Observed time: 7h16m54s
